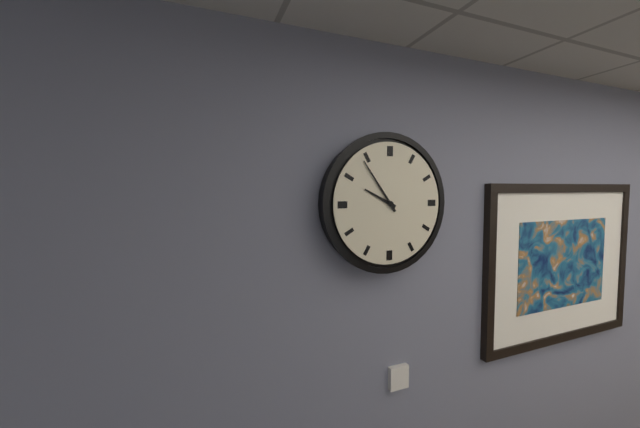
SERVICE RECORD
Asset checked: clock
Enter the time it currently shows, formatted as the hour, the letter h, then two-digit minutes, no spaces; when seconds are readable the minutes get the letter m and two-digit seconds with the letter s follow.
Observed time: 9h54
